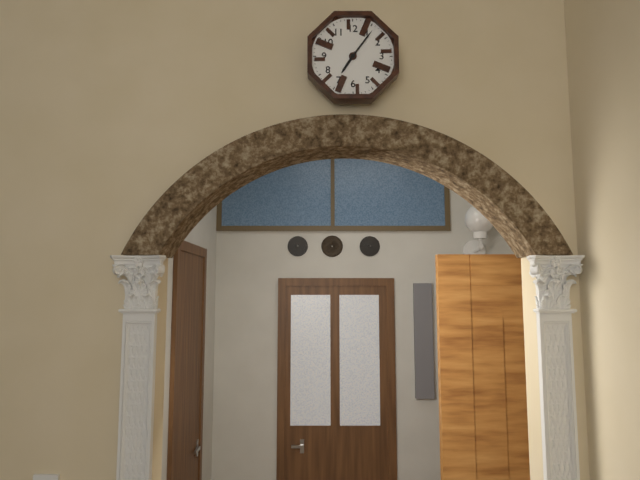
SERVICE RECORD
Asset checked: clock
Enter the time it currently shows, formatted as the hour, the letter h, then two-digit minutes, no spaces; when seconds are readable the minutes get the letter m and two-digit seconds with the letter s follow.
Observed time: 7h06
